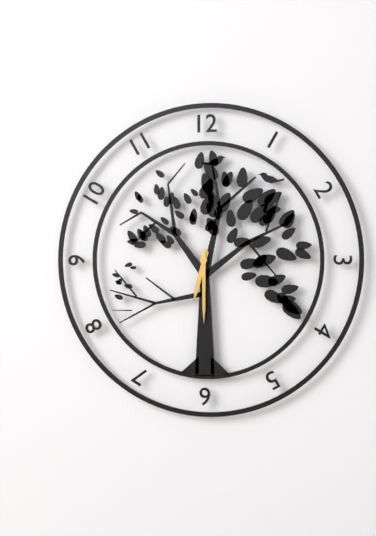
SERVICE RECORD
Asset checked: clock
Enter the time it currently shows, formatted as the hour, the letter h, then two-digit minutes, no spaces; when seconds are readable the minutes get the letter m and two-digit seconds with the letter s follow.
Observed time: 6h30
